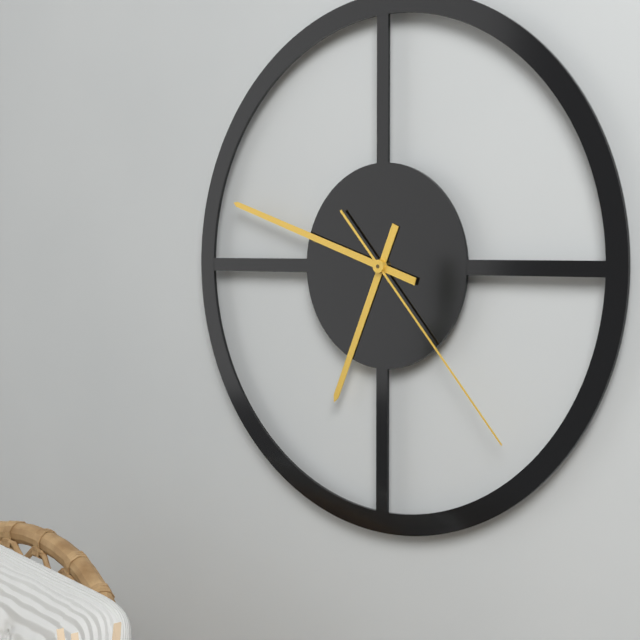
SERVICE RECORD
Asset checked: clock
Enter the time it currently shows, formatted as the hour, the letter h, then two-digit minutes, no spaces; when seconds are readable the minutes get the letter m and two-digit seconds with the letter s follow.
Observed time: 6h48m23s
